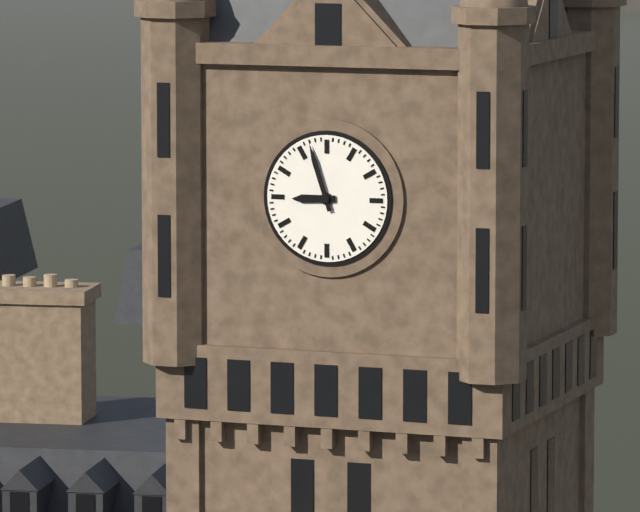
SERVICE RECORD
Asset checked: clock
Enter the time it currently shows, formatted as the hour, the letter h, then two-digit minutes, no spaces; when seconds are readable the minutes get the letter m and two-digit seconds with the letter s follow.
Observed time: 8h57
